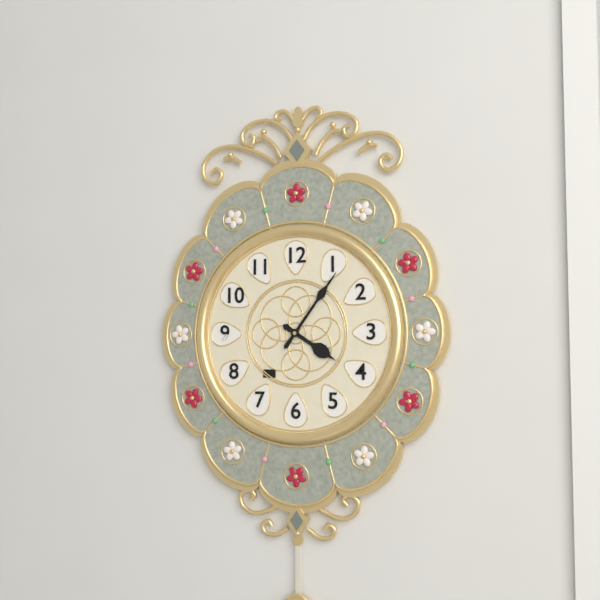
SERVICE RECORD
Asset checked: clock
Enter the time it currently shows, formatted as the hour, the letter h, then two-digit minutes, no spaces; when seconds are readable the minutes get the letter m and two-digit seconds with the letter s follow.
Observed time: 4h06
